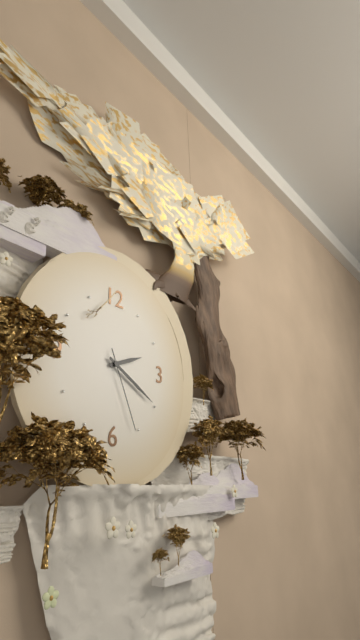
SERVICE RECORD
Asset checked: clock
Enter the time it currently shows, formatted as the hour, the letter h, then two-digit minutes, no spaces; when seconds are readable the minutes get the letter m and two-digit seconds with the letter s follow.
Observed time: 2h20m26s
